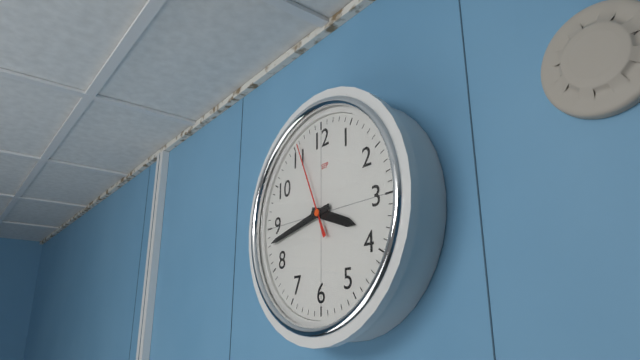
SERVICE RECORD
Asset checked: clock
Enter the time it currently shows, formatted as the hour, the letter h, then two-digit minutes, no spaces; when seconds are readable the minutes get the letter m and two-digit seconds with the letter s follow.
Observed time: 3h43m56s
